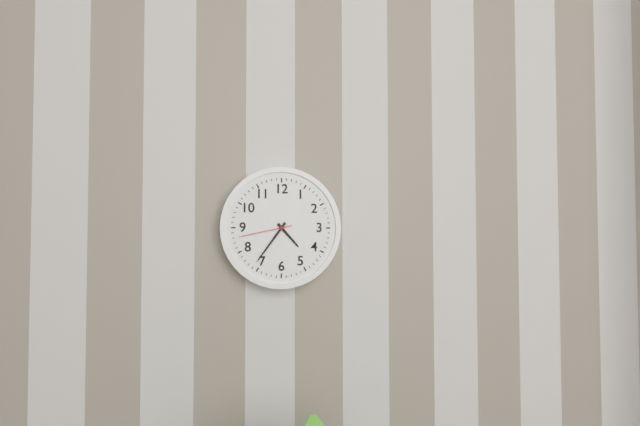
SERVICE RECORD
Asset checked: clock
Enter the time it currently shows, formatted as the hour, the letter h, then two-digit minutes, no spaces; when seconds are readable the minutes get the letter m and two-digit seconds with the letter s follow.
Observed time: 4h36m43s
